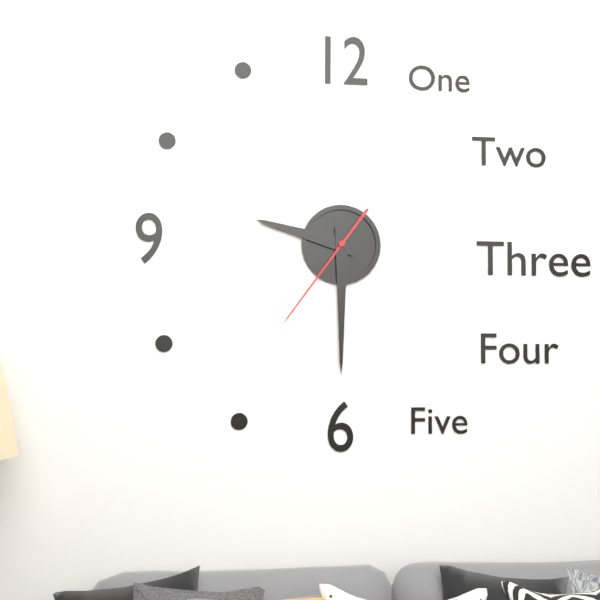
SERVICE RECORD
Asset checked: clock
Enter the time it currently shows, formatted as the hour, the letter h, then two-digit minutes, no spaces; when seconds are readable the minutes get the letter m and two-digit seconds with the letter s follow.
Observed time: 9h30m36s
